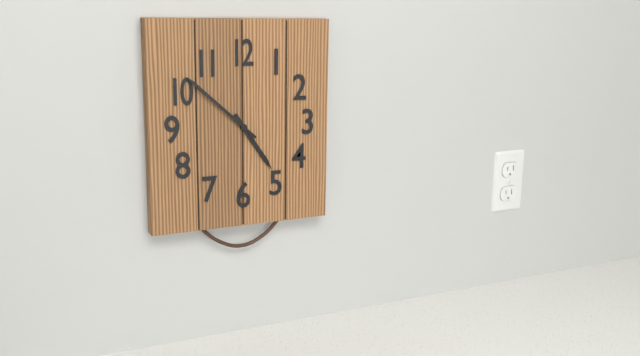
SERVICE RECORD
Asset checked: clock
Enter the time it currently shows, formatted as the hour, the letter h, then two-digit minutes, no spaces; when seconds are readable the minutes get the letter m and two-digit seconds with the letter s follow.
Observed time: 4h52
